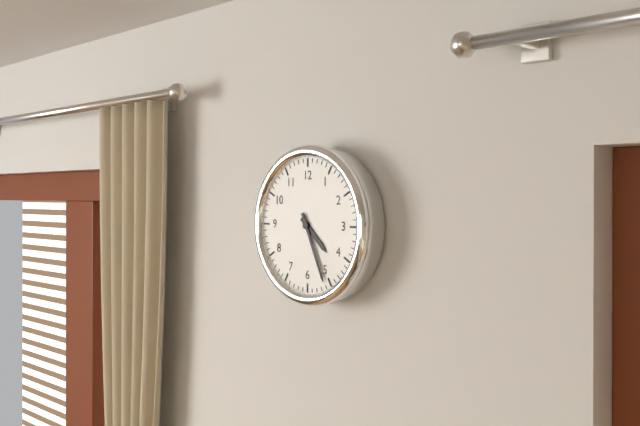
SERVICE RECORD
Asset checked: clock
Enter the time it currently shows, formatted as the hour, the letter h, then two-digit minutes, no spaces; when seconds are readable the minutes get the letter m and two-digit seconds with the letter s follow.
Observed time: 4h26
